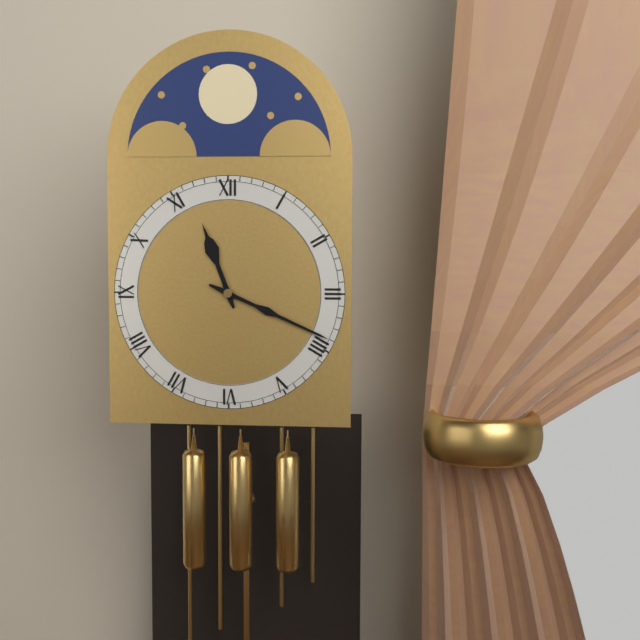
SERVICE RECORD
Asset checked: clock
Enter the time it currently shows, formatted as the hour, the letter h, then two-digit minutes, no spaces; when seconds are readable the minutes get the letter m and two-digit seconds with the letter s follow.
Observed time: 11h19
